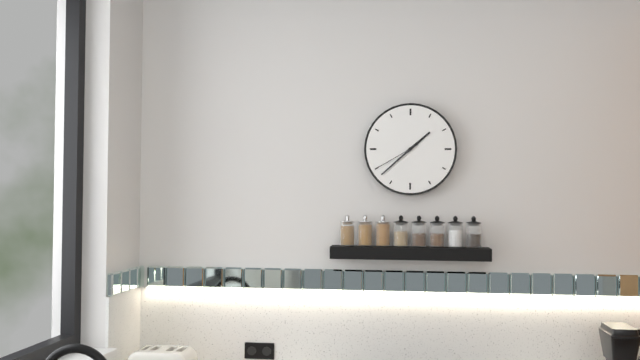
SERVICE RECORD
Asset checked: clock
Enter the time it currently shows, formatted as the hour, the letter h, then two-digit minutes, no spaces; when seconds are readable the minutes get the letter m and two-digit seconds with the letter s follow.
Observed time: 1h38
